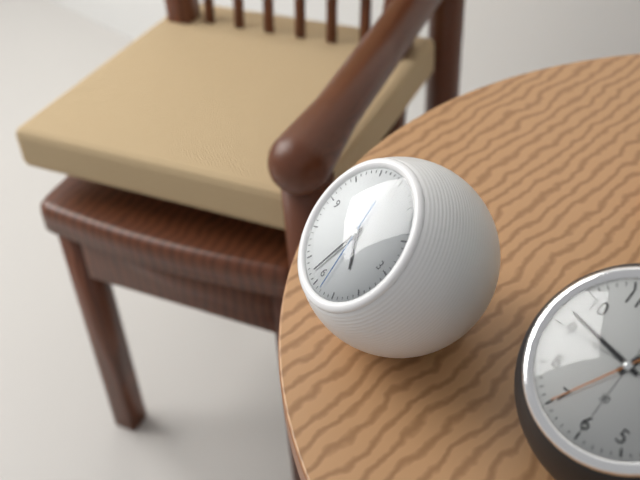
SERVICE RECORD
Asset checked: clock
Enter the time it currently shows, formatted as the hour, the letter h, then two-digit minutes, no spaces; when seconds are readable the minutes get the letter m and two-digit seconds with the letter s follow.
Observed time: 4h32m28s
